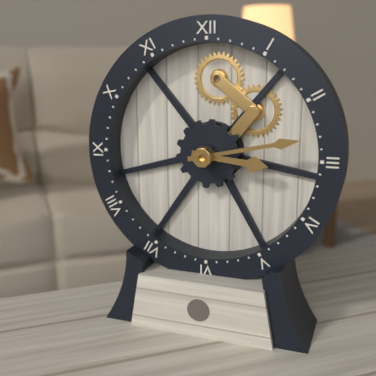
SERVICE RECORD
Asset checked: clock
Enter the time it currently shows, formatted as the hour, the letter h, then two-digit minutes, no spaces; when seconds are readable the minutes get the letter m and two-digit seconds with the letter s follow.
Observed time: 3h13
